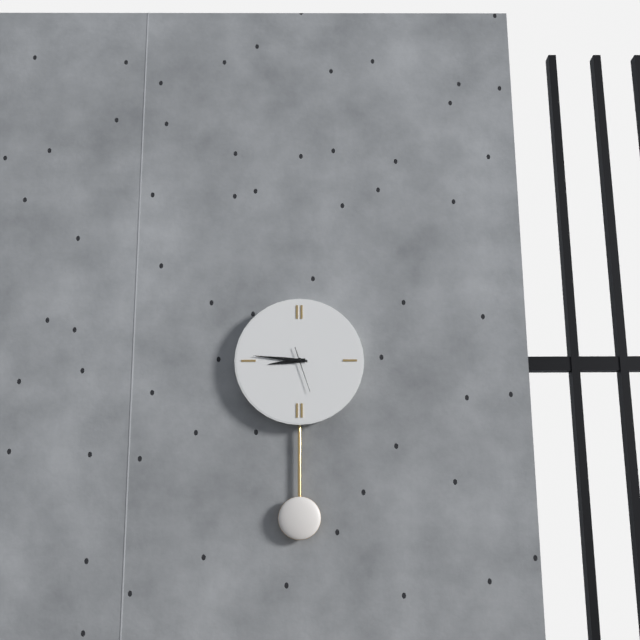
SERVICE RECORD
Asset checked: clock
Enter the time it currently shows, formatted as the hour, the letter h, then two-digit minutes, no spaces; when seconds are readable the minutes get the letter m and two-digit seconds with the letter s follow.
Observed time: 8h46
